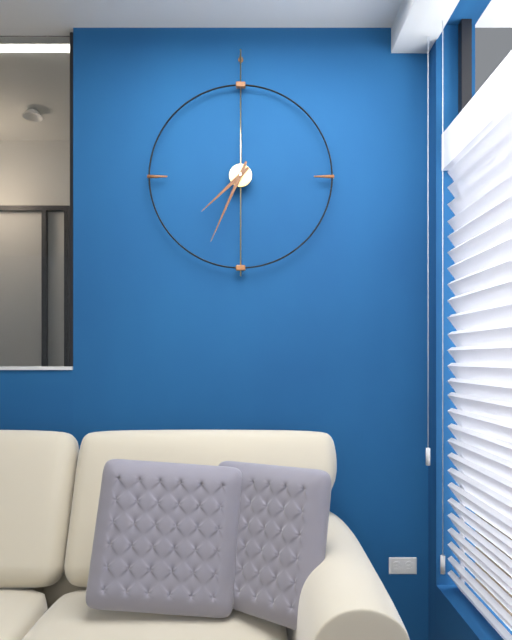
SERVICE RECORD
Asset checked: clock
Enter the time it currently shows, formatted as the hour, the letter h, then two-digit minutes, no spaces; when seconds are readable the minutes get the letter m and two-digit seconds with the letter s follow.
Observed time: 7h34
